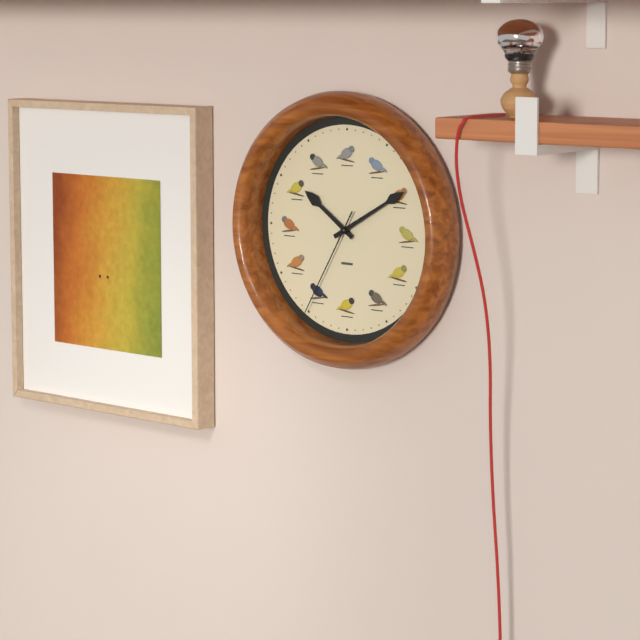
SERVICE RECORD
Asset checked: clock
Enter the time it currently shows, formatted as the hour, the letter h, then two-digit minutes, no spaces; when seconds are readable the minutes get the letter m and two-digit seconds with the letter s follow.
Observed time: 10h10m35s
